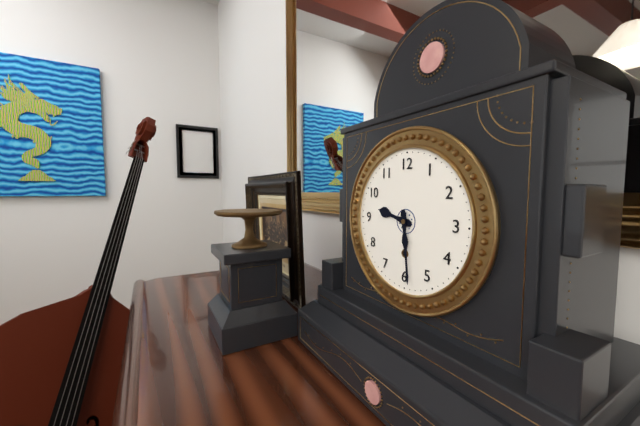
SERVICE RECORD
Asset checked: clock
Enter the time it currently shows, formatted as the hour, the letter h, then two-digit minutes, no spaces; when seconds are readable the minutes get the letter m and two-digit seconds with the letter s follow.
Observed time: 9h29
